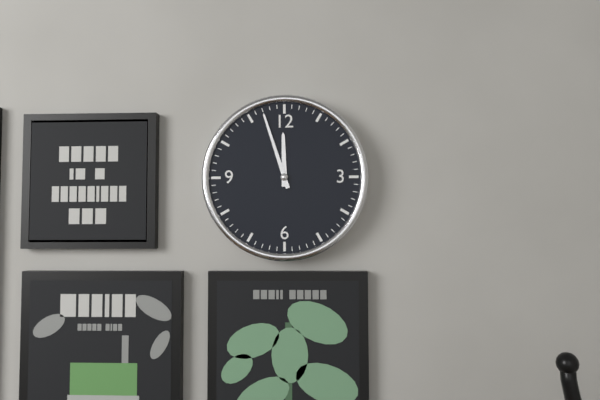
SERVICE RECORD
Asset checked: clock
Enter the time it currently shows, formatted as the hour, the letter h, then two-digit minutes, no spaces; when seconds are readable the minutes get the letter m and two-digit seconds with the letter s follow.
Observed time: 11h57
